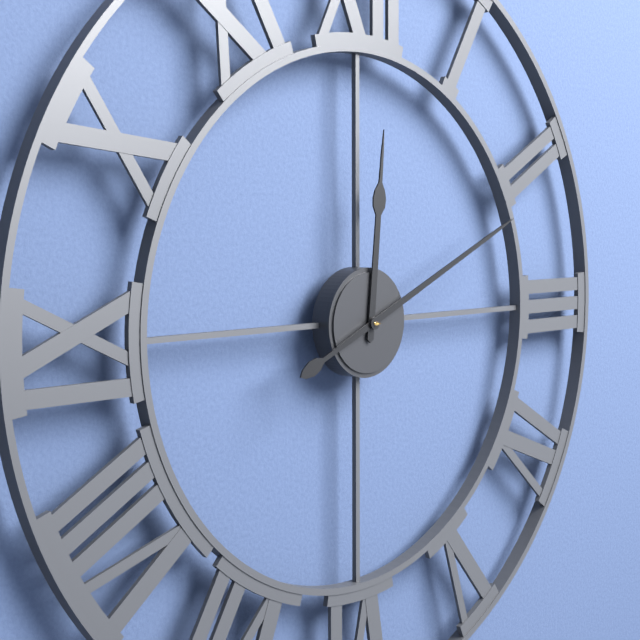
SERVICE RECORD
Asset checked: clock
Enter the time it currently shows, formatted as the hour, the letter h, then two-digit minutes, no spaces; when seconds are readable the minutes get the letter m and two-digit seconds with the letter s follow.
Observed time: 12h11
